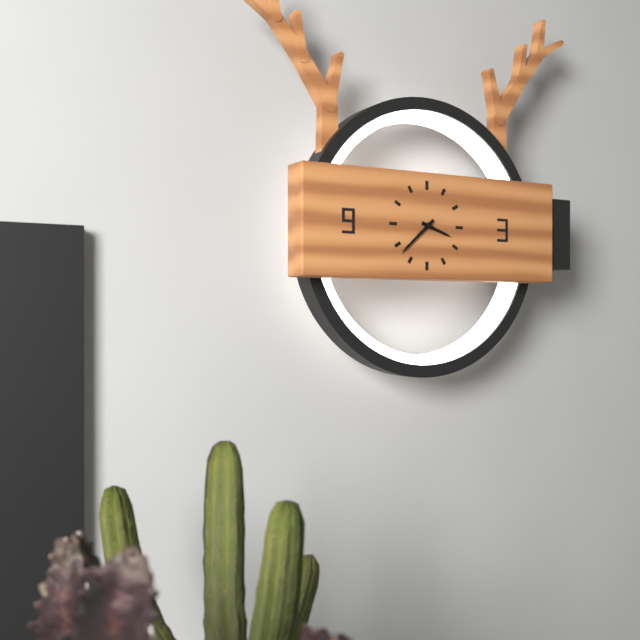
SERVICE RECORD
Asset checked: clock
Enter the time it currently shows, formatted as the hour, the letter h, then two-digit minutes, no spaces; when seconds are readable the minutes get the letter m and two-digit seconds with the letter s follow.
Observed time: 3h38
